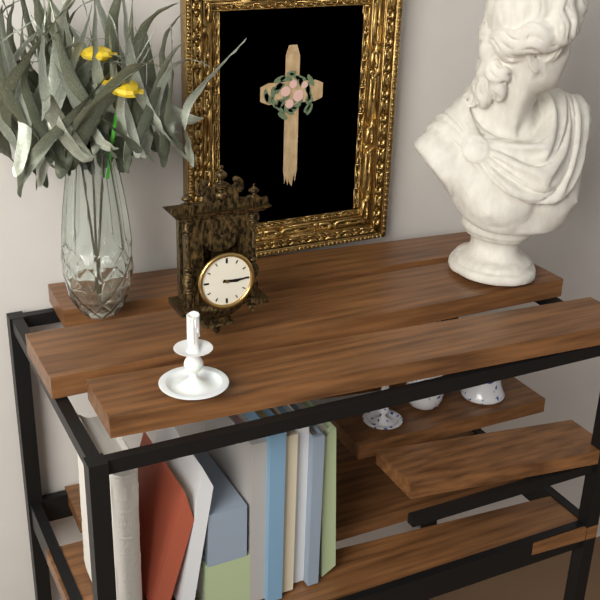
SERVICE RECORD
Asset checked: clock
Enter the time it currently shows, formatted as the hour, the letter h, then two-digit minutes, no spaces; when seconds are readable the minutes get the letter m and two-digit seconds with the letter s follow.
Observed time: 3h15
